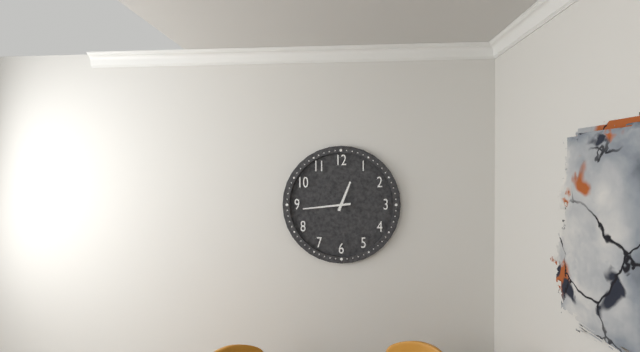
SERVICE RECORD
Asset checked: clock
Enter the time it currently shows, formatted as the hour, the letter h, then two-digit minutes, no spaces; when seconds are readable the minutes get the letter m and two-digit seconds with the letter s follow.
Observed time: 12h44
